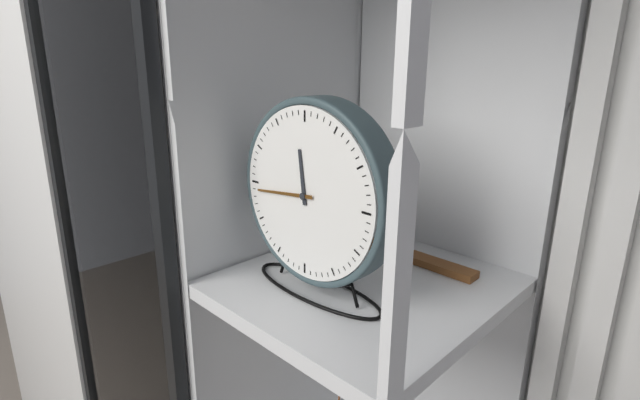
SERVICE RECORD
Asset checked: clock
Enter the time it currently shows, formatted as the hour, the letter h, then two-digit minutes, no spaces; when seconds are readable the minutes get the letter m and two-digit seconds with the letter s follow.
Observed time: 11h44
